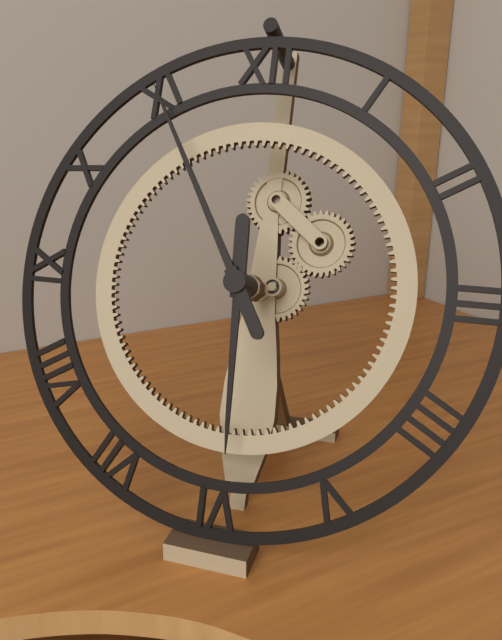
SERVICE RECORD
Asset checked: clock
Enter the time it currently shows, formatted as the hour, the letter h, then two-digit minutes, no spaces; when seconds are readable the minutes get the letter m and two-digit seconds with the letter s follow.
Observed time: 5h55
